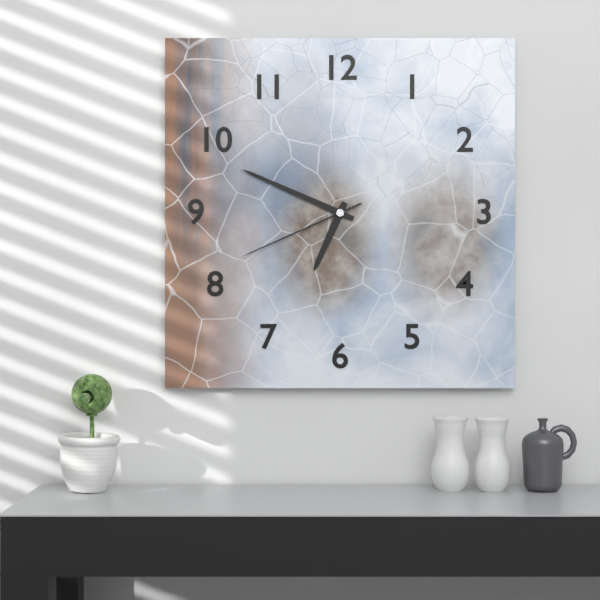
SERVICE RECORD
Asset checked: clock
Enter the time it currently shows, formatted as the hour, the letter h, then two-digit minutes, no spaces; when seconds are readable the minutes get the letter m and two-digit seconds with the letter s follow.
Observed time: 6h49m41s
